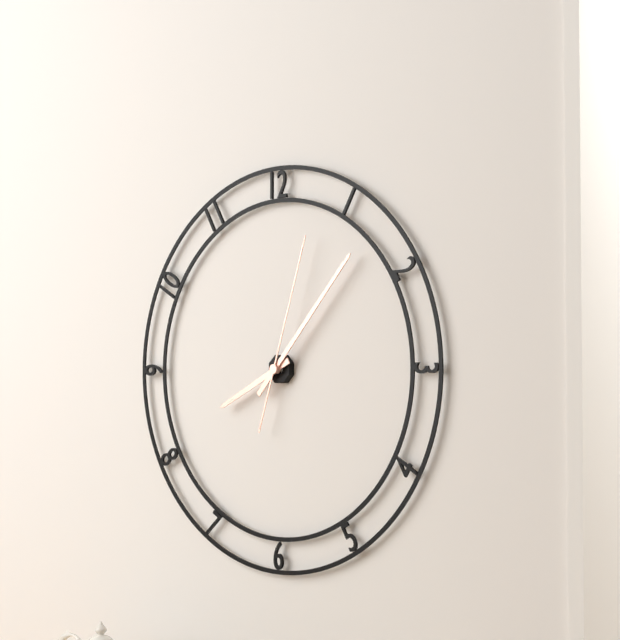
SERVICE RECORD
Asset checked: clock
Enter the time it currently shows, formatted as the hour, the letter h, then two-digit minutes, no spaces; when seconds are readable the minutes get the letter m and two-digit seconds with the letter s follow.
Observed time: 8h07m03s
